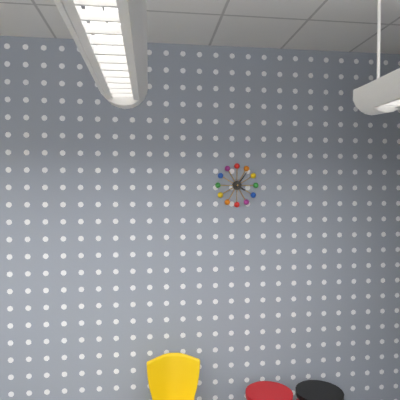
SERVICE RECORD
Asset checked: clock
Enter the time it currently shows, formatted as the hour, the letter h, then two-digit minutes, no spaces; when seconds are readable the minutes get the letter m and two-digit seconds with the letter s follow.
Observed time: 4h06
